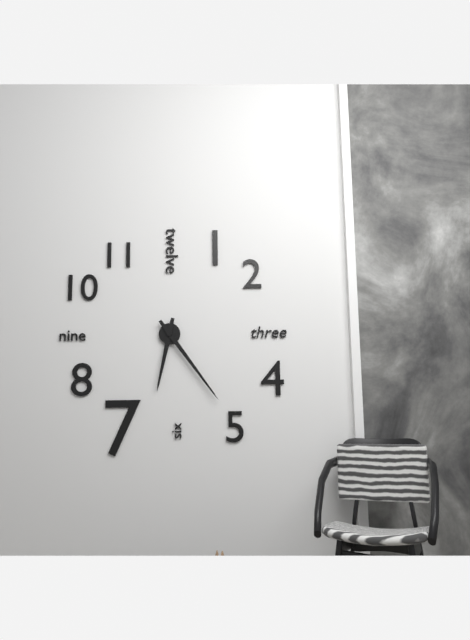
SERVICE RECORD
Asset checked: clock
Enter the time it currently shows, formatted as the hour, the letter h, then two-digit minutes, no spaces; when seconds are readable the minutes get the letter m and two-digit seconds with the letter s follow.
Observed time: 6h24
